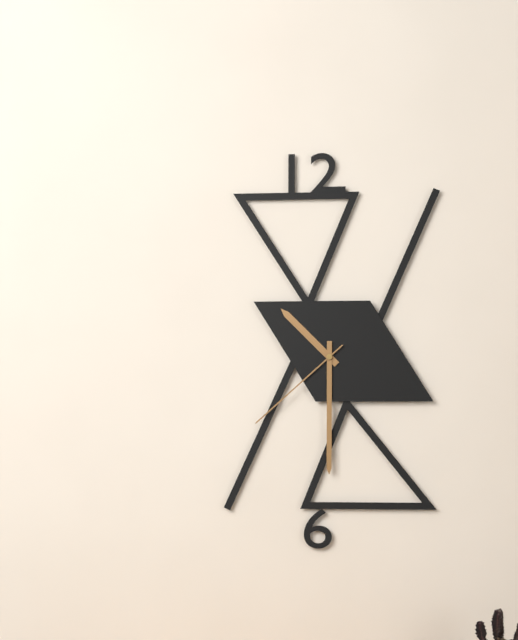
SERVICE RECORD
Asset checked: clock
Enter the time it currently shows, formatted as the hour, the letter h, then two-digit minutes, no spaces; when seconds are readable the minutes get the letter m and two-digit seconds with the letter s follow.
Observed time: 10h30m38s
